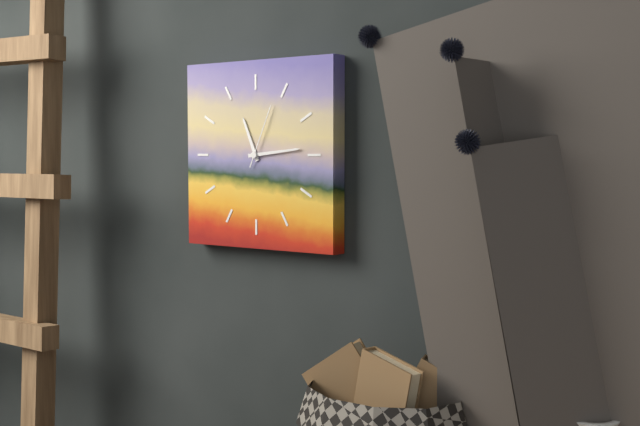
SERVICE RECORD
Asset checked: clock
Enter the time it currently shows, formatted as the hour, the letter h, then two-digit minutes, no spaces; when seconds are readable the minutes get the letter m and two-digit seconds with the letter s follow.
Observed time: 11h14m04s
